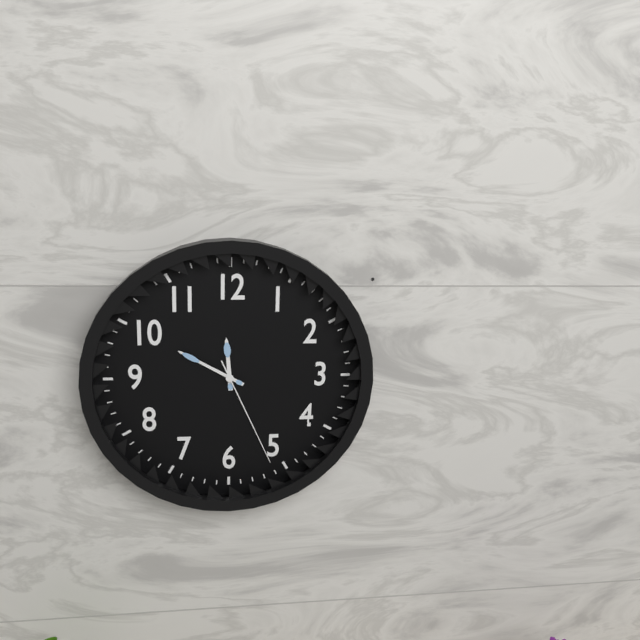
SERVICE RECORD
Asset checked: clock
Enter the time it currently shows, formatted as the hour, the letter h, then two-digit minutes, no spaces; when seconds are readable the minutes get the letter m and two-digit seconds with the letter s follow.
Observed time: 11h50m26s
